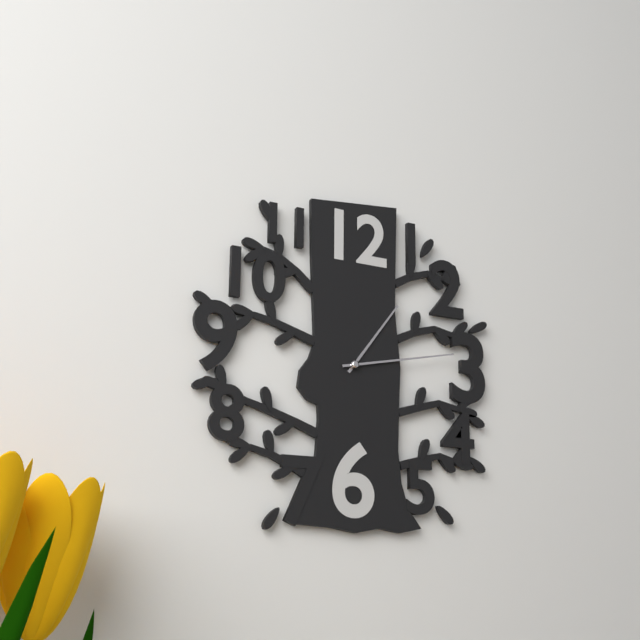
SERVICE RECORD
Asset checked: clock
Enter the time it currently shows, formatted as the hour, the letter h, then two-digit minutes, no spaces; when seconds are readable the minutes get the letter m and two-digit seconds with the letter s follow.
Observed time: 1h13
